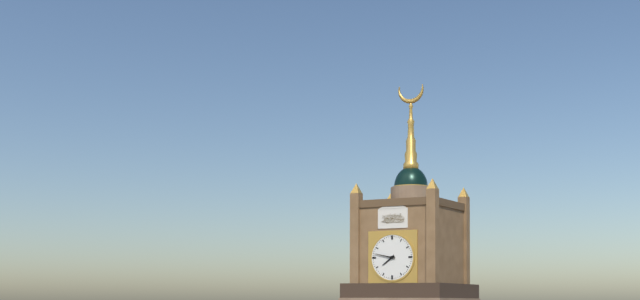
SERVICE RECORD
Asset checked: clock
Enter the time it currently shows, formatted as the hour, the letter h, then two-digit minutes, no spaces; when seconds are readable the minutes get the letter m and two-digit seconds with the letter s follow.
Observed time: 7h47
